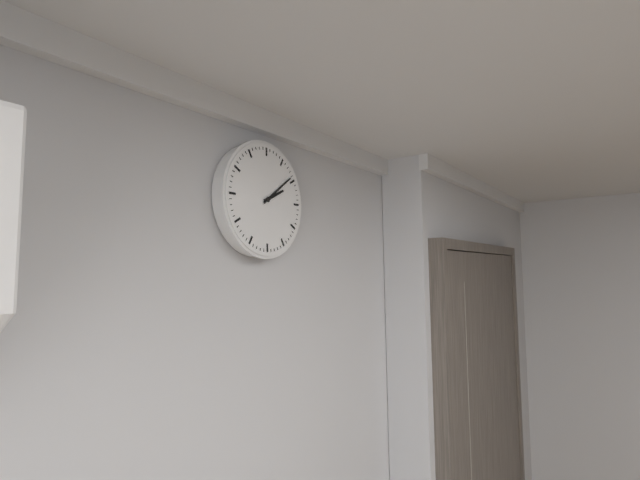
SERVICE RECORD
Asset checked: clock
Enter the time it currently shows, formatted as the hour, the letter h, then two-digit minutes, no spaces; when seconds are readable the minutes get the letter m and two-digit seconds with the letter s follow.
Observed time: 2h09
